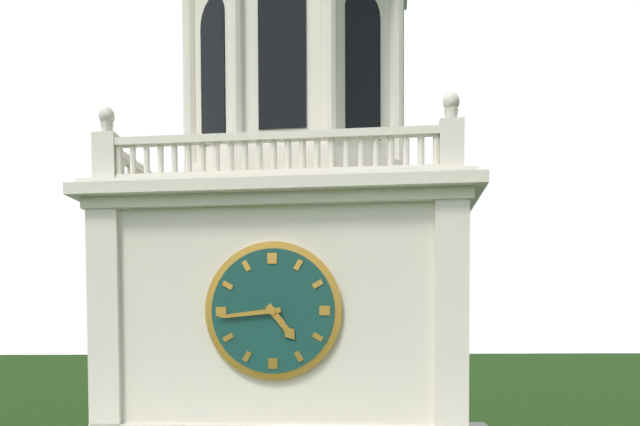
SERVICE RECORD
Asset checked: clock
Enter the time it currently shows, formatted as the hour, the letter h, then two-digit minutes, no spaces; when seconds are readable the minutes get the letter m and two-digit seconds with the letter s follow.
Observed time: 4h44
